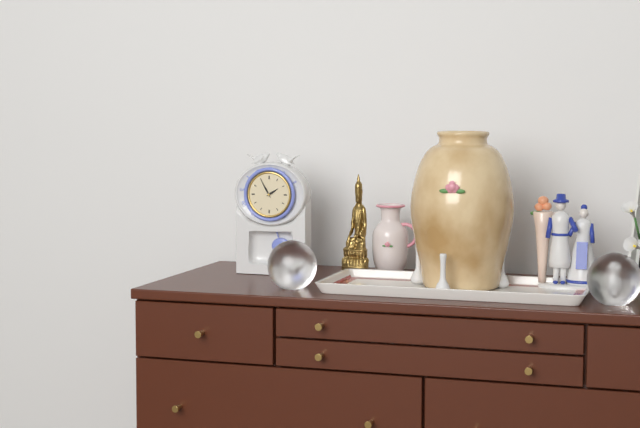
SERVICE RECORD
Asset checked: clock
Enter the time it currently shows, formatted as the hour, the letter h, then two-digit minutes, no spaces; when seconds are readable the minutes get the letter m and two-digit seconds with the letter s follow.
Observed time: 1h55
